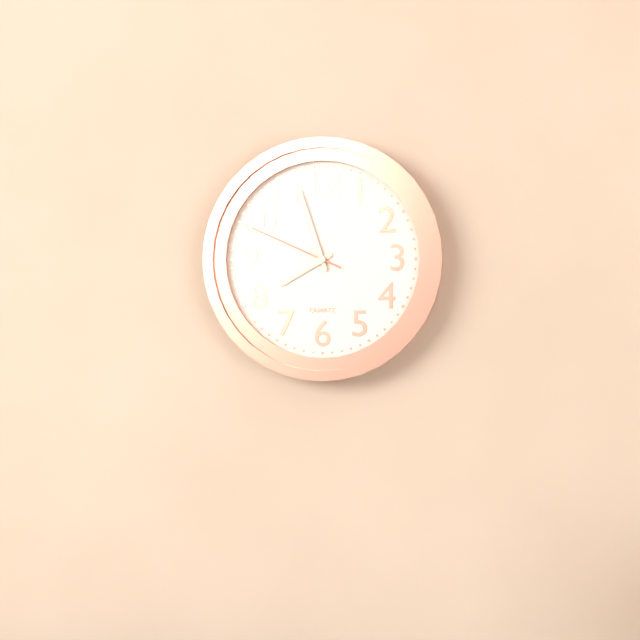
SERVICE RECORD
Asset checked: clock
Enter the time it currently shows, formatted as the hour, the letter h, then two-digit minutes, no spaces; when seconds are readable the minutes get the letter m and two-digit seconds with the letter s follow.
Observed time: 7h57m49s
